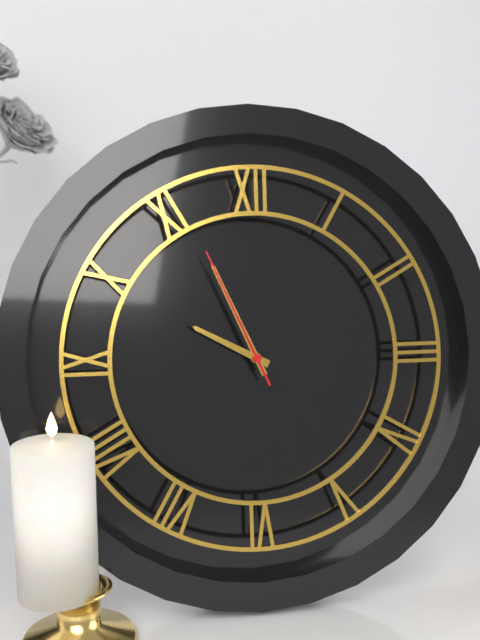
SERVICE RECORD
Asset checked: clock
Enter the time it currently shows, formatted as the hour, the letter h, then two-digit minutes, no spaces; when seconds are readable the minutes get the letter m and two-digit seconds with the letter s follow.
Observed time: 9h56m56s
